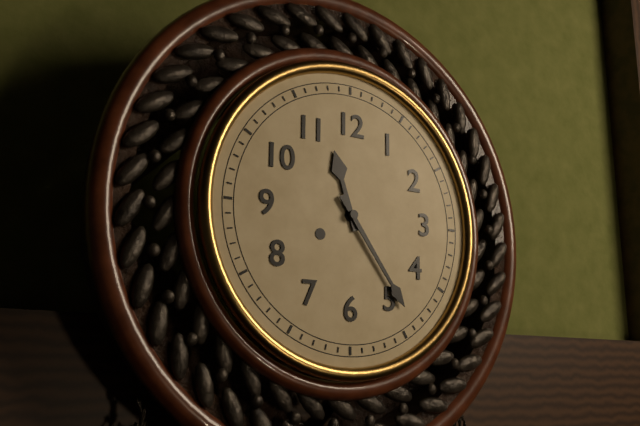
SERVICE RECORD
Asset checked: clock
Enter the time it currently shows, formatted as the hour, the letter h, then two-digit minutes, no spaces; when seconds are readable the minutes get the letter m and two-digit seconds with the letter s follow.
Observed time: 11h24
